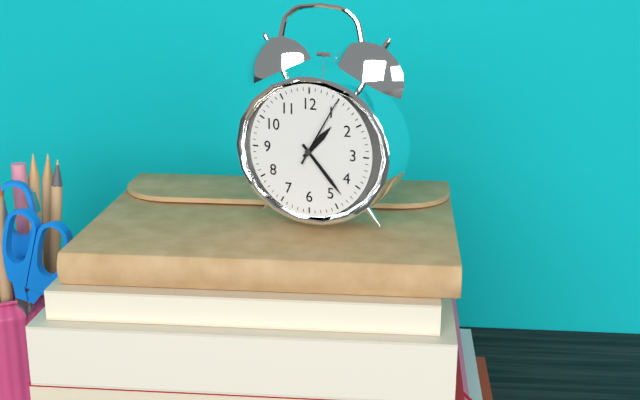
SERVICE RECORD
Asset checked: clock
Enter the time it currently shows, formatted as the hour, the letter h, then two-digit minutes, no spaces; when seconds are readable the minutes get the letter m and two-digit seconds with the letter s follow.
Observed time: 1h23m05s
